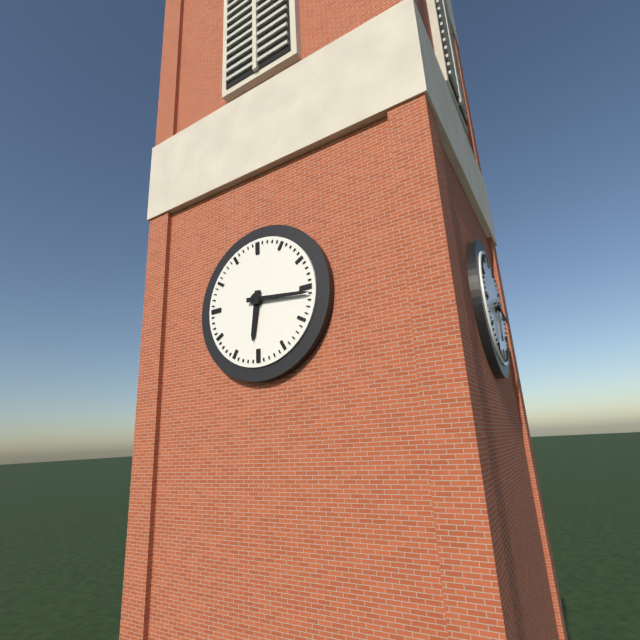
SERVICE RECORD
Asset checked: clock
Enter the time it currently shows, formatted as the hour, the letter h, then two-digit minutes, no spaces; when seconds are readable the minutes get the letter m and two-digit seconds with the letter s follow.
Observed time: 6h16
